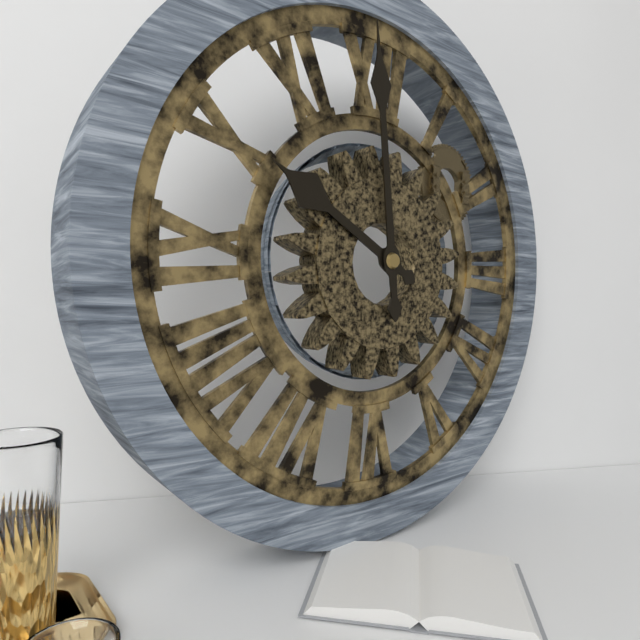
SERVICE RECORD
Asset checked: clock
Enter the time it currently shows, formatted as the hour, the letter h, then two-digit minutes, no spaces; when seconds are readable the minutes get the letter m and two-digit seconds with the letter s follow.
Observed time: 9h59
